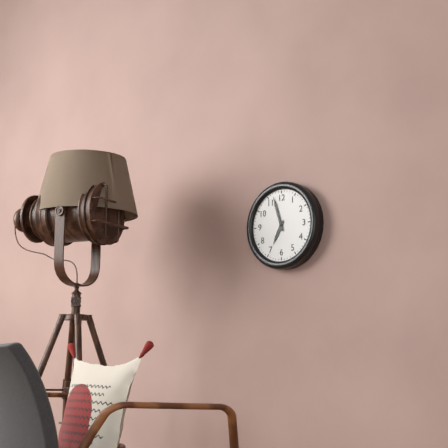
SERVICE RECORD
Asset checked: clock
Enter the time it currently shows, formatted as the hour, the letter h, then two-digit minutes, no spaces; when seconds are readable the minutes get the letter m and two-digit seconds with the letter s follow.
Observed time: 6h57
